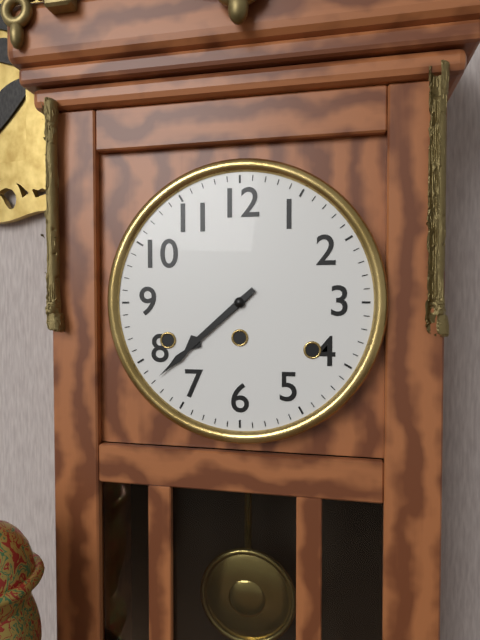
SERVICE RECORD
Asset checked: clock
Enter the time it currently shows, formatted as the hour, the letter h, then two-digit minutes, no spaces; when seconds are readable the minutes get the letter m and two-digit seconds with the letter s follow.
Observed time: 7h38
